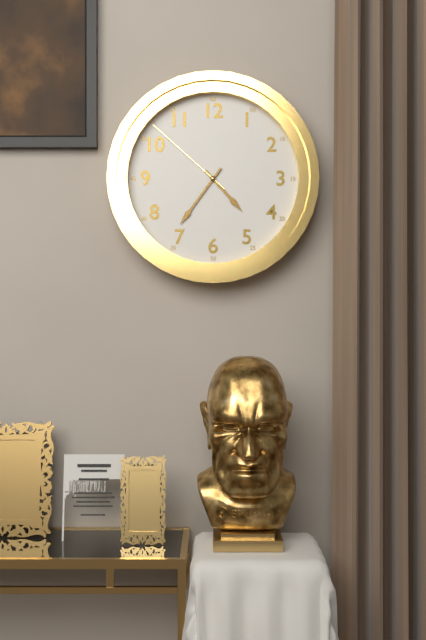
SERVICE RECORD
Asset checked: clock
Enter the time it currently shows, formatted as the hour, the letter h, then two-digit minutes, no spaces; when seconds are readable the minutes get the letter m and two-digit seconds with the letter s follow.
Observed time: 4h36m52s
